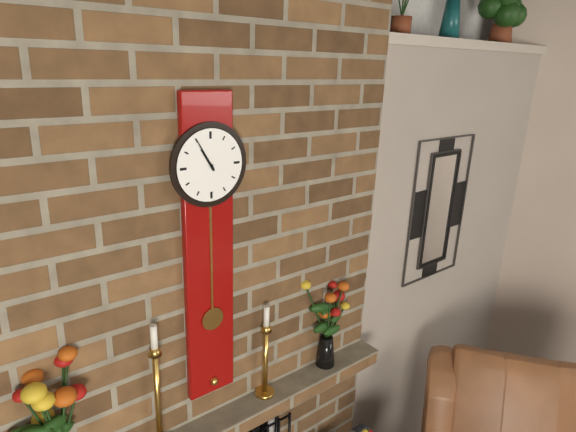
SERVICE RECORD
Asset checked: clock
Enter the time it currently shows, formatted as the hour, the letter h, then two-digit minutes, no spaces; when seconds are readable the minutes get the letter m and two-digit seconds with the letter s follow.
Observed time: 10h55
